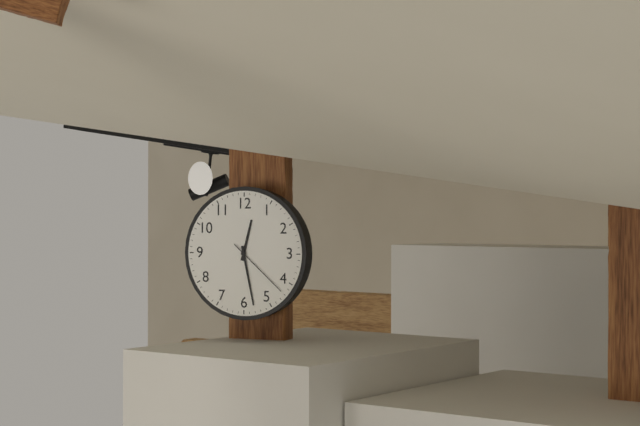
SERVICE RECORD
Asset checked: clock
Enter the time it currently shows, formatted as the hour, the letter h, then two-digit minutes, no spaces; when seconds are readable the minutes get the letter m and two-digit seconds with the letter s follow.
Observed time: 12h28m22s
